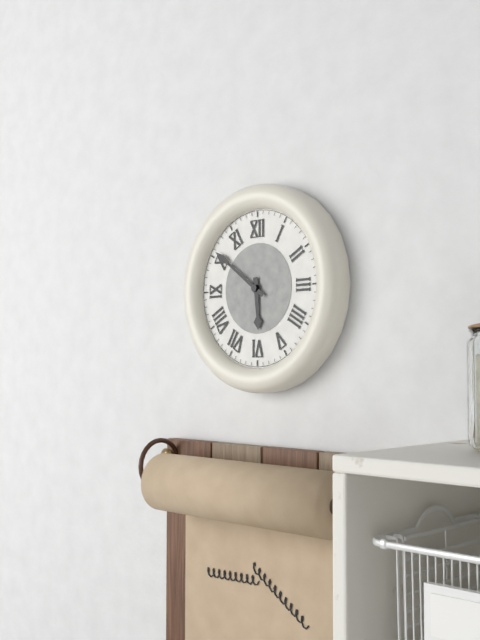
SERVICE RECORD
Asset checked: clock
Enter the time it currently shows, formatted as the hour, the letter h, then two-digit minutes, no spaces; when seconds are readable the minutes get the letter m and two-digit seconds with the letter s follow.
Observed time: 5h51
